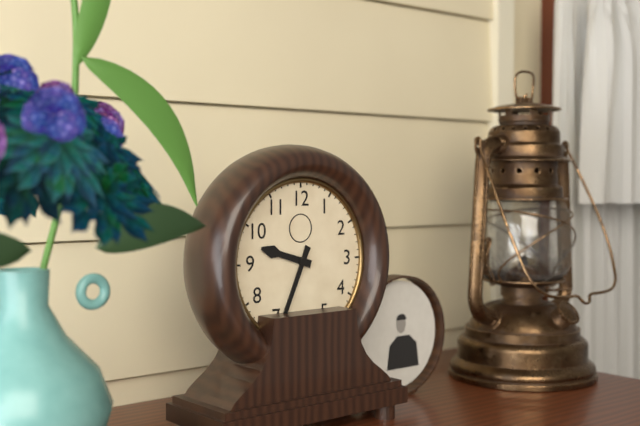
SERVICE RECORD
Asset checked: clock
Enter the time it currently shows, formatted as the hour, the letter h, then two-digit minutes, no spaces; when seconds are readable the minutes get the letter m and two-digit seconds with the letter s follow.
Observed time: 9h34
